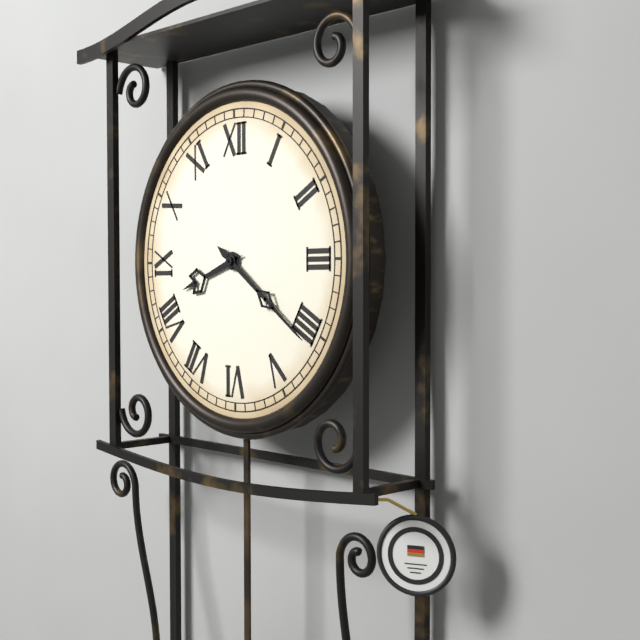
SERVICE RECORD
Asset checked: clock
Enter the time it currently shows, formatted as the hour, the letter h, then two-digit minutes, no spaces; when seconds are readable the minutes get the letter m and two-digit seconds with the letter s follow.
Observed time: 8h21
